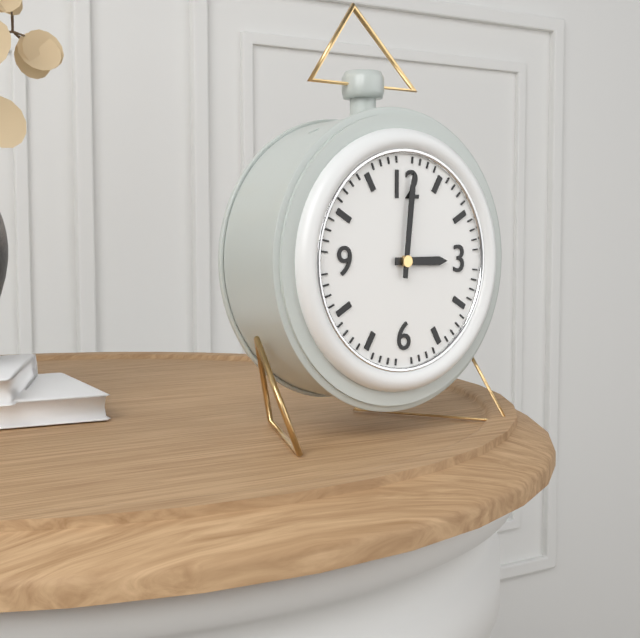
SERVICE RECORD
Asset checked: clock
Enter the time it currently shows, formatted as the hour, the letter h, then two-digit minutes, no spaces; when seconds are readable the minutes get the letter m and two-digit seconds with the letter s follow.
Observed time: 3h01
